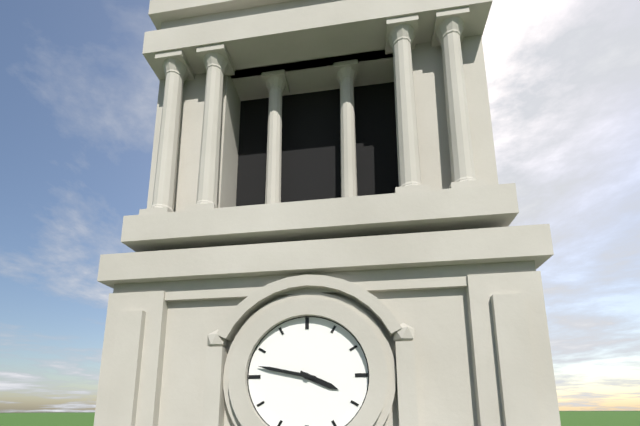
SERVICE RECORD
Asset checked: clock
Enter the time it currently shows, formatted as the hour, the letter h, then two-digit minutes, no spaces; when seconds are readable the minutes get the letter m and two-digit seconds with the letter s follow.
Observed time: 3h47
